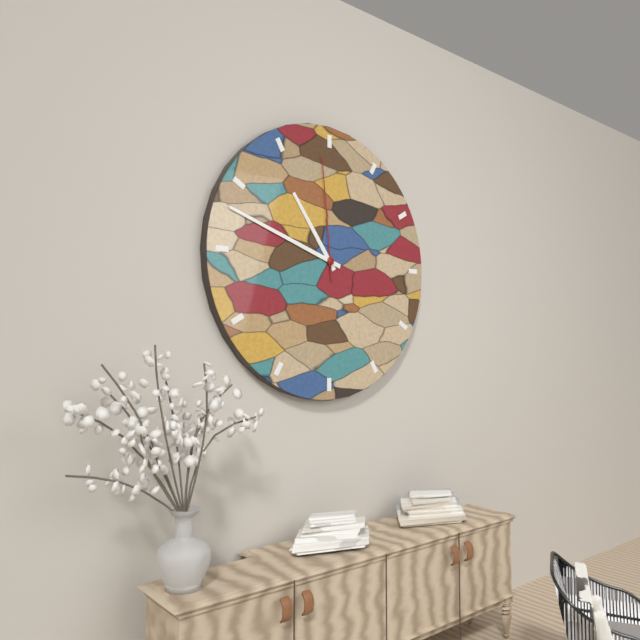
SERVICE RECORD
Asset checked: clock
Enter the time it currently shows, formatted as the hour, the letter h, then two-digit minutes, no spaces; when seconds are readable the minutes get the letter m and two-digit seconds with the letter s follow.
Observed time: 10h48m59s
